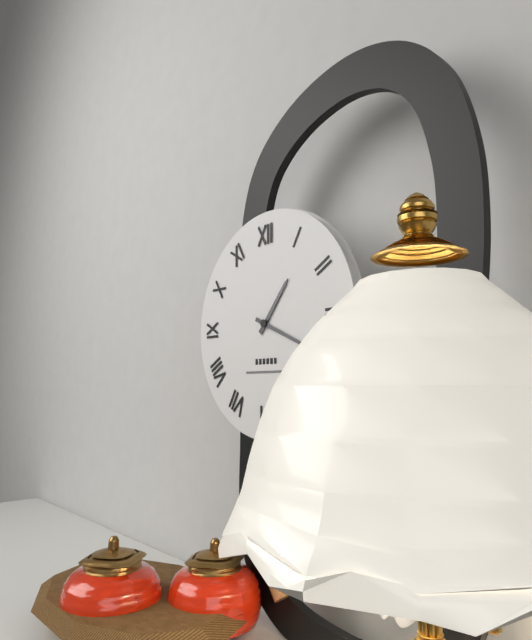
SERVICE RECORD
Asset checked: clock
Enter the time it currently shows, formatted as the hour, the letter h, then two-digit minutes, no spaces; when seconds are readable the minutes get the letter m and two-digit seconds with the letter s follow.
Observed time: 1h19
